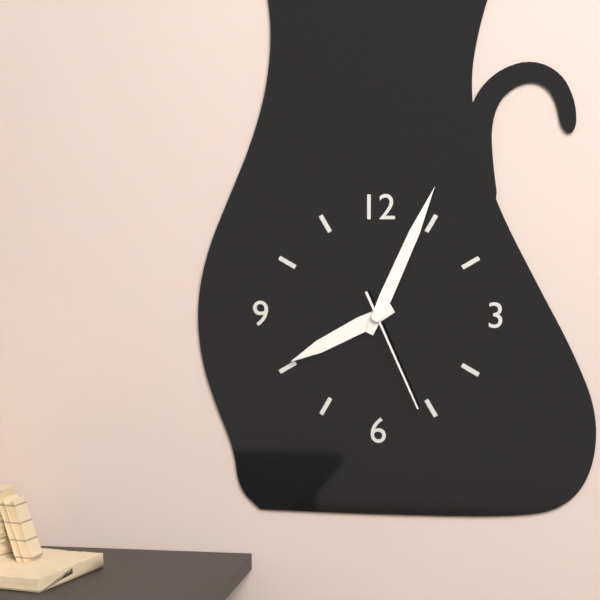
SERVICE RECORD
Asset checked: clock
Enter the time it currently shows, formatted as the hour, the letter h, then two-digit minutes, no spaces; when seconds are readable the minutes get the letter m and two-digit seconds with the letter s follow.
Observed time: 8h04m26s
